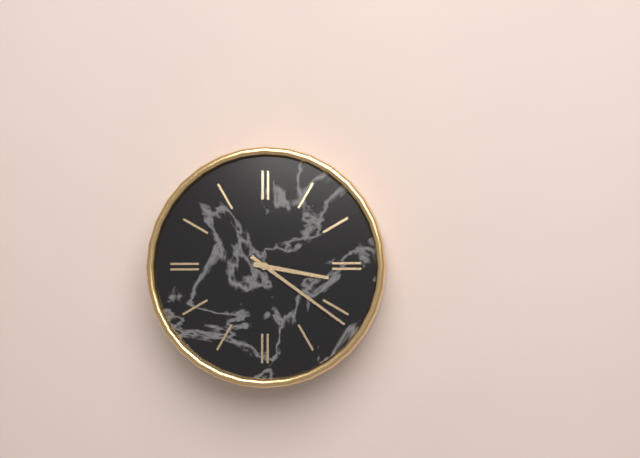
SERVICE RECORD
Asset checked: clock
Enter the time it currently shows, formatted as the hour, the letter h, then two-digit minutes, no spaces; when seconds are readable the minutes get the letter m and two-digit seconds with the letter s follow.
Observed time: 3h21
